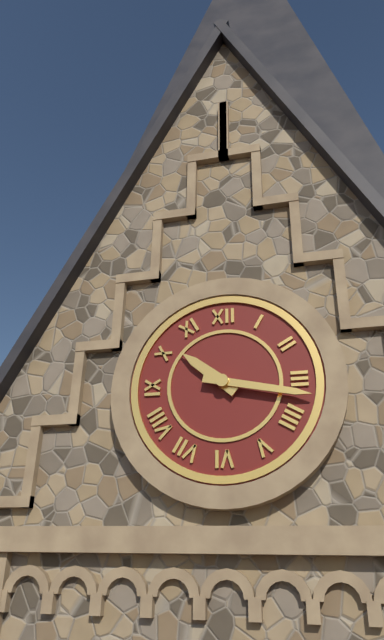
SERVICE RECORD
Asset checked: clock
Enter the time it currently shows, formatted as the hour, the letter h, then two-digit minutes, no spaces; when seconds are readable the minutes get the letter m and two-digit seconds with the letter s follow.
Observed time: 10h17
